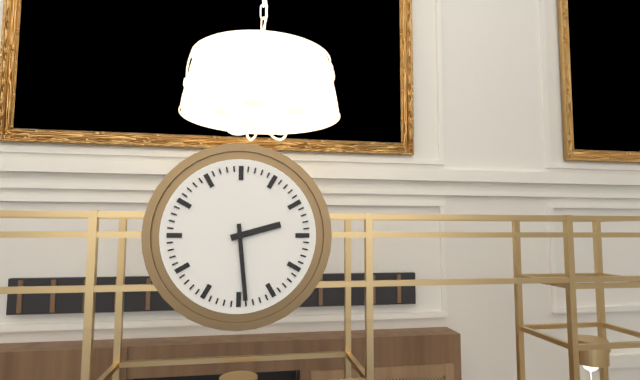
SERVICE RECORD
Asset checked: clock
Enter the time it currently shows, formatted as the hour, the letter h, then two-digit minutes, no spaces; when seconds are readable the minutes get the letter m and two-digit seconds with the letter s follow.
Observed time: 2h29
